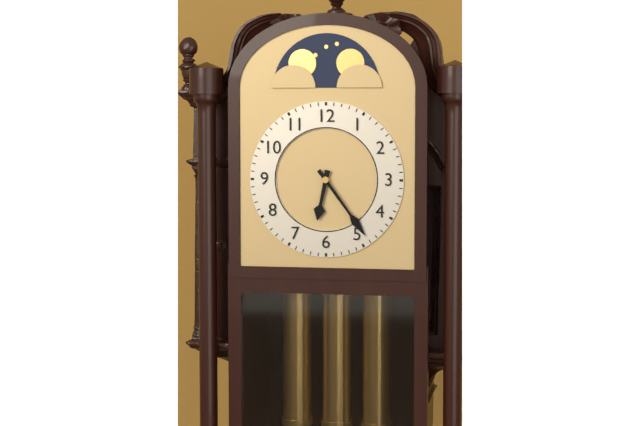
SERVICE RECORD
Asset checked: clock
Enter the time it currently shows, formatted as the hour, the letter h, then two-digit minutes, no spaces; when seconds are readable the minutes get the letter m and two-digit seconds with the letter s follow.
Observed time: 6h24
